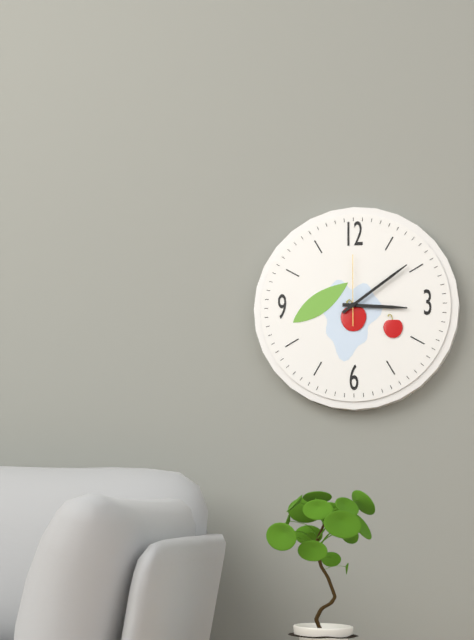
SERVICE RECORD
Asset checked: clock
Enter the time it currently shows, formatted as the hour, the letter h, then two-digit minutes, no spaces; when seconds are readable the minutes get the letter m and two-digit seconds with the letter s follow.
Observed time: 3h09m00s
